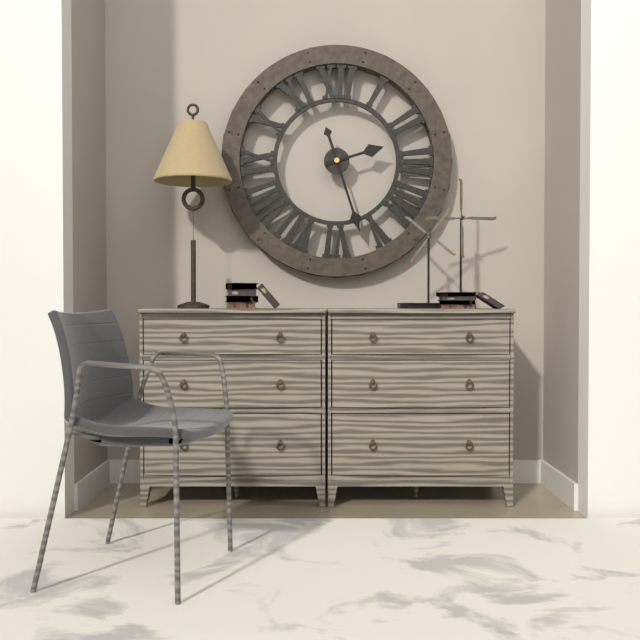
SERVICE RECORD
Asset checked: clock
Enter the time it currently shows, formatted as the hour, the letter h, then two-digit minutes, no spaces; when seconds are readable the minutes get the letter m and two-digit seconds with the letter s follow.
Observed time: 2h27
